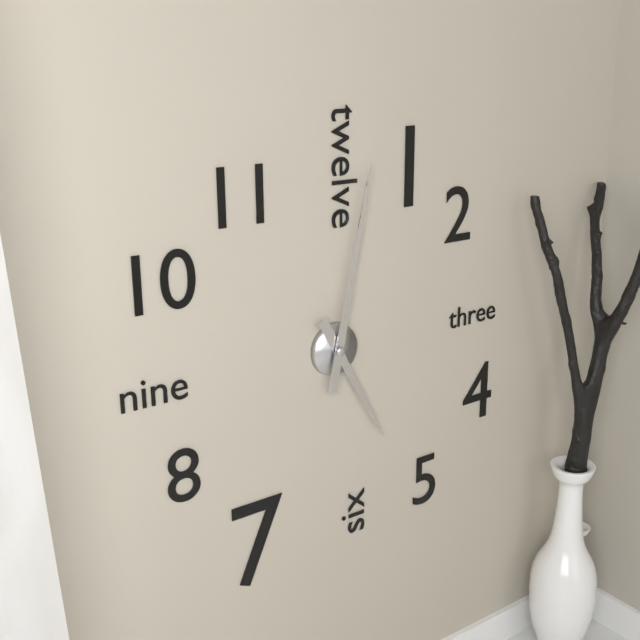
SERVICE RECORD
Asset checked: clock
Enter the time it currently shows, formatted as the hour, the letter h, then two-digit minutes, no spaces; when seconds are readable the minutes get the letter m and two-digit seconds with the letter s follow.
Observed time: 5h02
